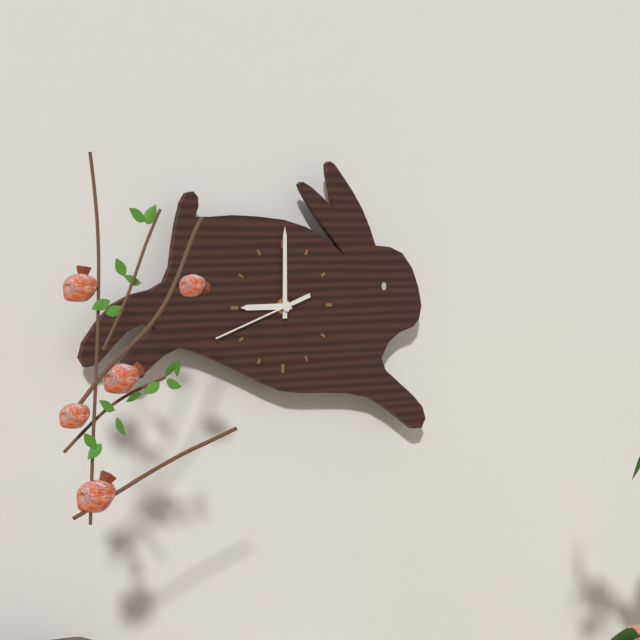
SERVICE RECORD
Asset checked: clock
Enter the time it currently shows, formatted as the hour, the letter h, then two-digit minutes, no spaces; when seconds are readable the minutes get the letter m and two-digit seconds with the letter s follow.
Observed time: 9h00m42s
